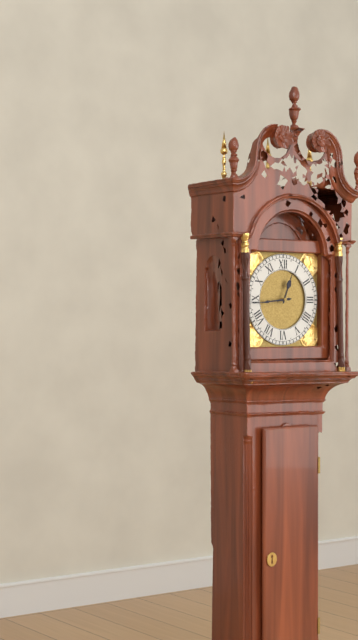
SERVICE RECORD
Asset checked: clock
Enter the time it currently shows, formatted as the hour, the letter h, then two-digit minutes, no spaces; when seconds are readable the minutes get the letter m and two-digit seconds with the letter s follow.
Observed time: 12h44
